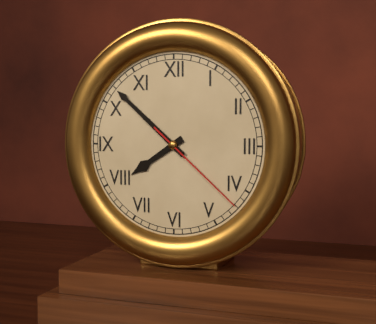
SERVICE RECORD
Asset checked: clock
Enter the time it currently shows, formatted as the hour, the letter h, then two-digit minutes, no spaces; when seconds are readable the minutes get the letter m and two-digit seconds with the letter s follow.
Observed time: 7h52m22s
